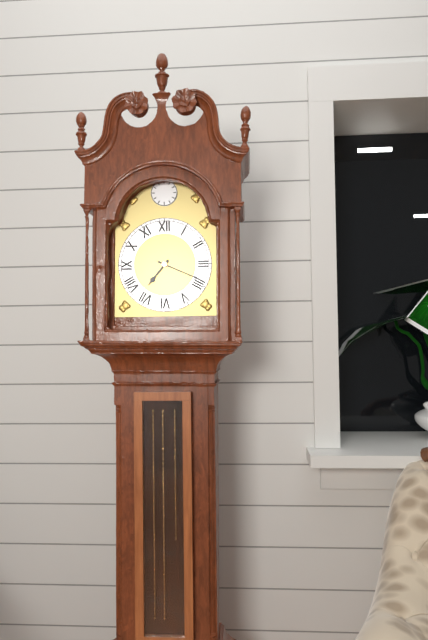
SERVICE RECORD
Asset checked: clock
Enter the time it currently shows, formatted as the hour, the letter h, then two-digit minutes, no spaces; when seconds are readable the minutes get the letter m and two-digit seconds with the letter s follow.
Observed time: 7h19
